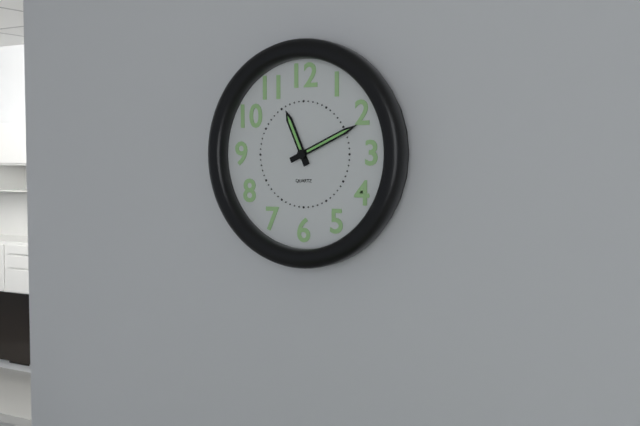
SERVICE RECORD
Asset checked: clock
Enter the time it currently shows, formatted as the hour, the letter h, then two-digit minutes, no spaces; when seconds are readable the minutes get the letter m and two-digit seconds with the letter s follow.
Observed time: 11h11
